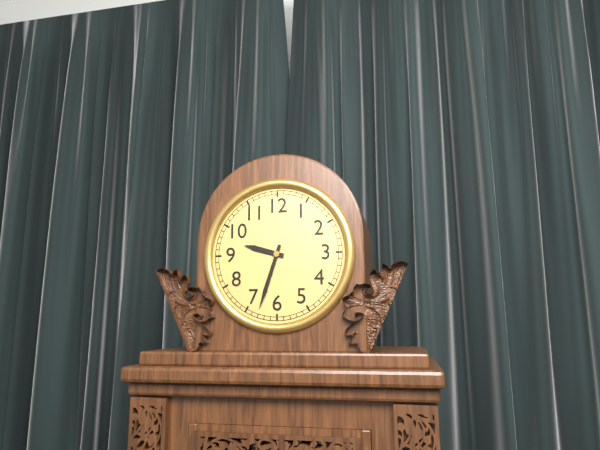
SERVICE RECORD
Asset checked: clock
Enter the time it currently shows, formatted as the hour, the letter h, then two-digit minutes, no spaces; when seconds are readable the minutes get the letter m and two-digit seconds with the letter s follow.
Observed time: 9h33
